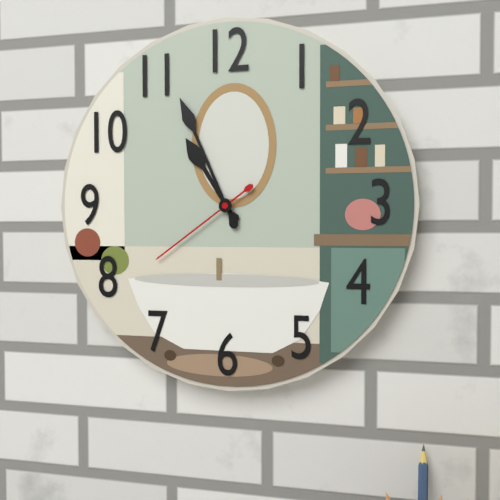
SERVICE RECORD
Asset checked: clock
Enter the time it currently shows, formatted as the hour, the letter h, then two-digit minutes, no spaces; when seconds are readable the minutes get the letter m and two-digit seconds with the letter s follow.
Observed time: 10h56m39s
